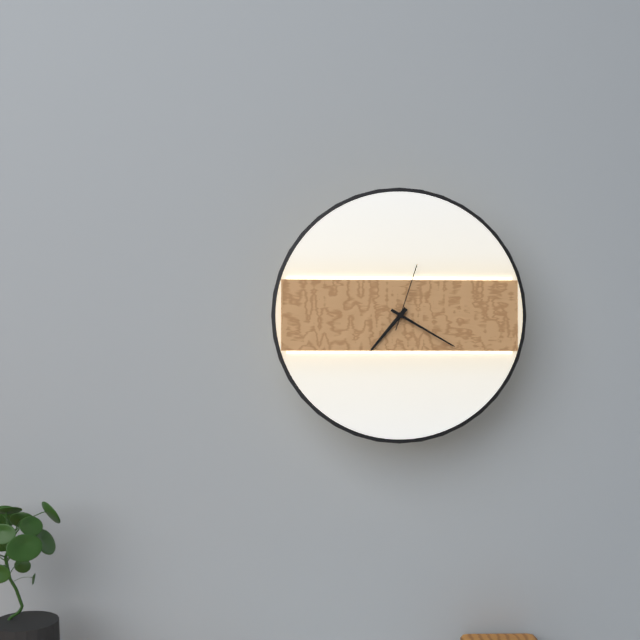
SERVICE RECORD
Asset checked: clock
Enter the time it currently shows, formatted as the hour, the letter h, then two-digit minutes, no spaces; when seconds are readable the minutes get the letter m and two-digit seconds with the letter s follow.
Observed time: 7h20m03s
